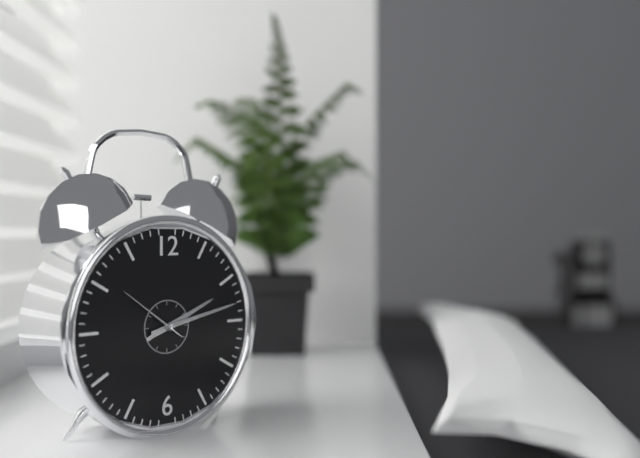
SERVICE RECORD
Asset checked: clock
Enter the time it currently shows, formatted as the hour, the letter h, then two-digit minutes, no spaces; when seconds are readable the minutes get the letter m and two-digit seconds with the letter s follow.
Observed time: 2h13m51s
